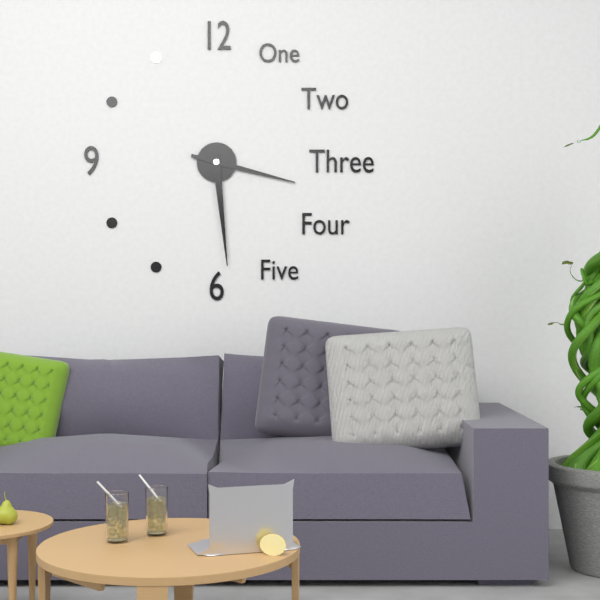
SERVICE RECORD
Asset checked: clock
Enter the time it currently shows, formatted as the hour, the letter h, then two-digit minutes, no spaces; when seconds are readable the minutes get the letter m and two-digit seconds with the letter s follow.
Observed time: 3h29
